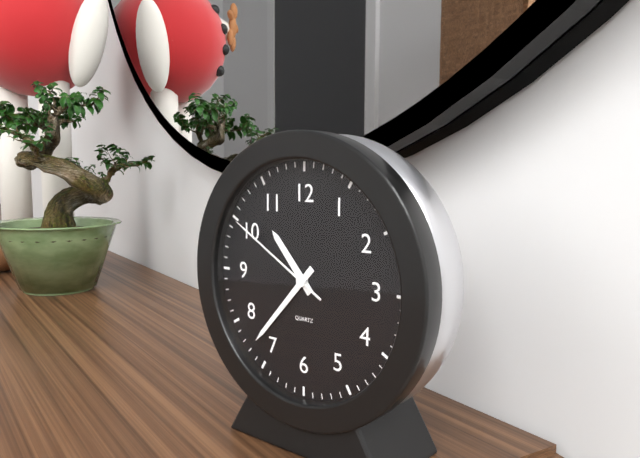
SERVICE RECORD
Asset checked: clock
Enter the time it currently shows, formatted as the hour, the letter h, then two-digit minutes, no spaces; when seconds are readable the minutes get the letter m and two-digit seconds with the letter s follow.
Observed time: 10h37m50s
